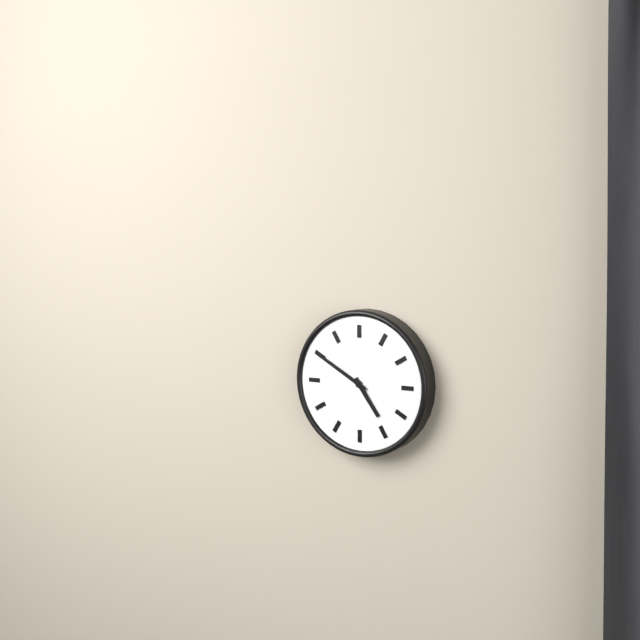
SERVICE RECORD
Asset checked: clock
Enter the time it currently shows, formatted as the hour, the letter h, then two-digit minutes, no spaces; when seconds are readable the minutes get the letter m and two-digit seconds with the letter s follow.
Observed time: 4h50
